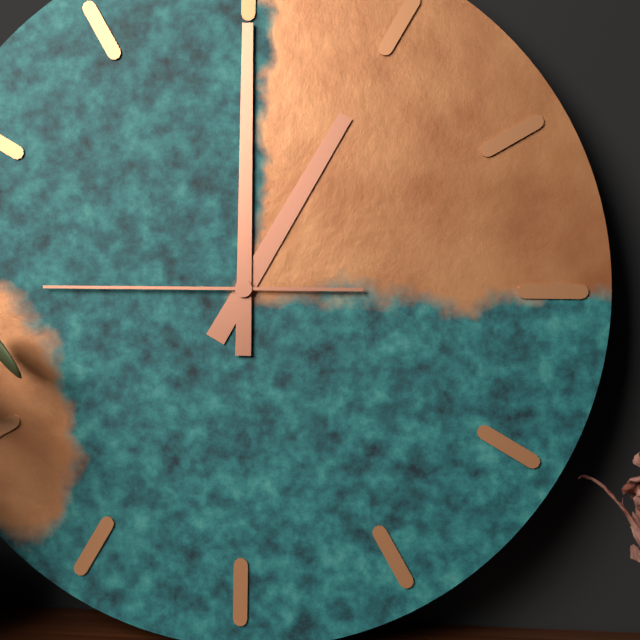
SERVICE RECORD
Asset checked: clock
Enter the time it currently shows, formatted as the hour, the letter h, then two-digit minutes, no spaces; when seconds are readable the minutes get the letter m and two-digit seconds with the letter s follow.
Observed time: 1h00m45s
